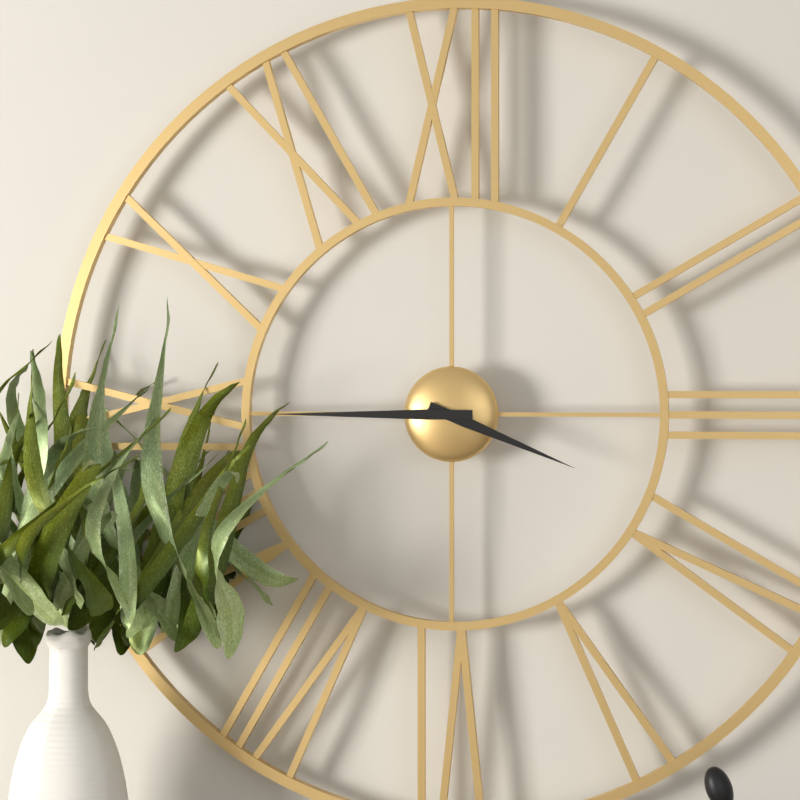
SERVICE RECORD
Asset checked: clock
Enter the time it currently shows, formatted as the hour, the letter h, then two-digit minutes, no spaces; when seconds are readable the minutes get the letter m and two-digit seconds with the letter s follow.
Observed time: 3h45
